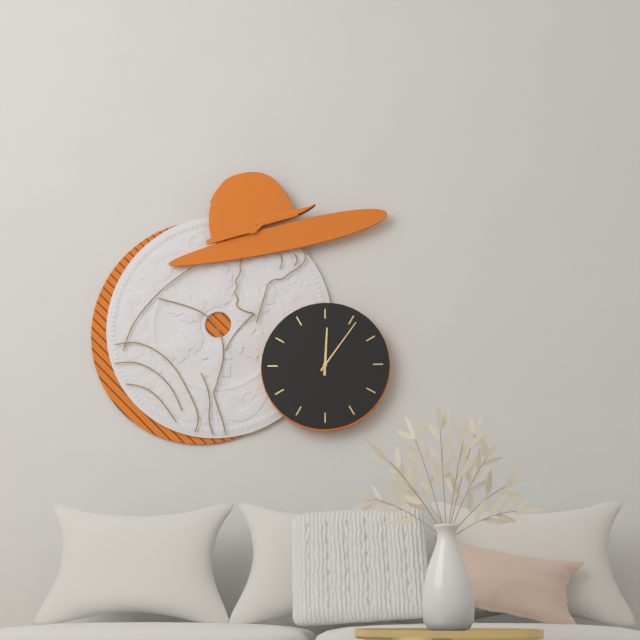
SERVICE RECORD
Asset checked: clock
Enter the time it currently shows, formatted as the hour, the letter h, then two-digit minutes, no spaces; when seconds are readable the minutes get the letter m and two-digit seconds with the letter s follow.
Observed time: 12h06
